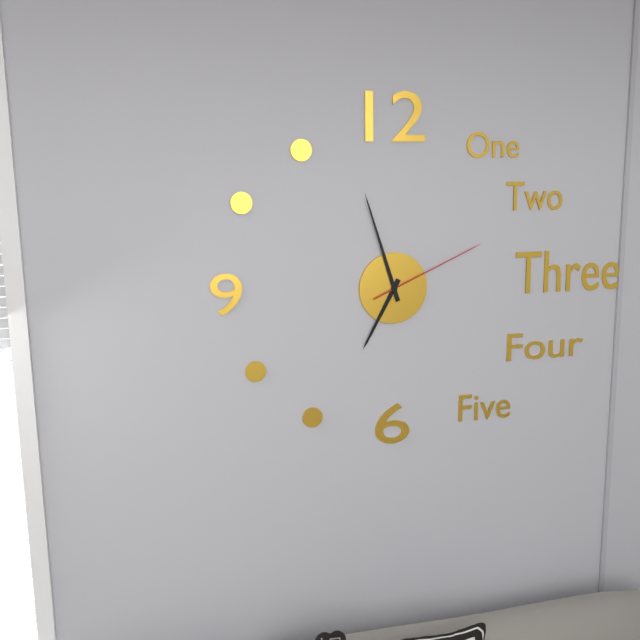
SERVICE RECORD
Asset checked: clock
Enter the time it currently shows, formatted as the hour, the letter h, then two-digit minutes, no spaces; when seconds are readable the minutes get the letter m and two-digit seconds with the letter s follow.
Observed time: 6h57m11s
